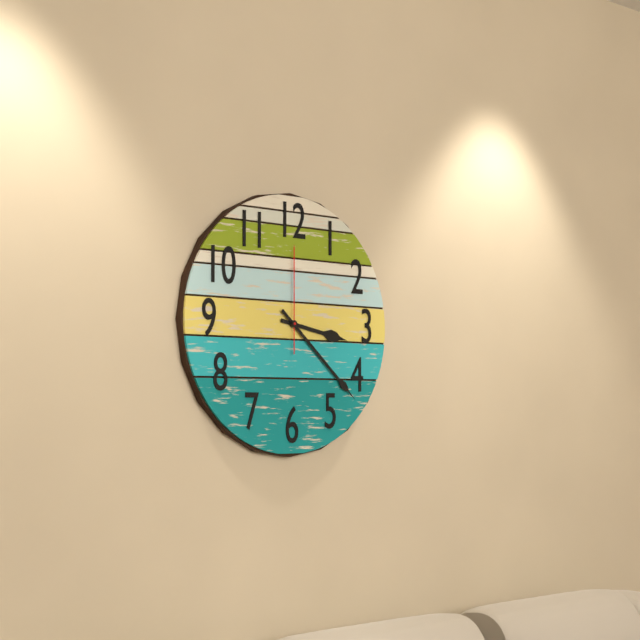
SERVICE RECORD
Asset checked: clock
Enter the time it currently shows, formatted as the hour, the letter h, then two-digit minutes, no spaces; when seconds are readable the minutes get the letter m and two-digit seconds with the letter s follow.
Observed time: 3h22m00s
